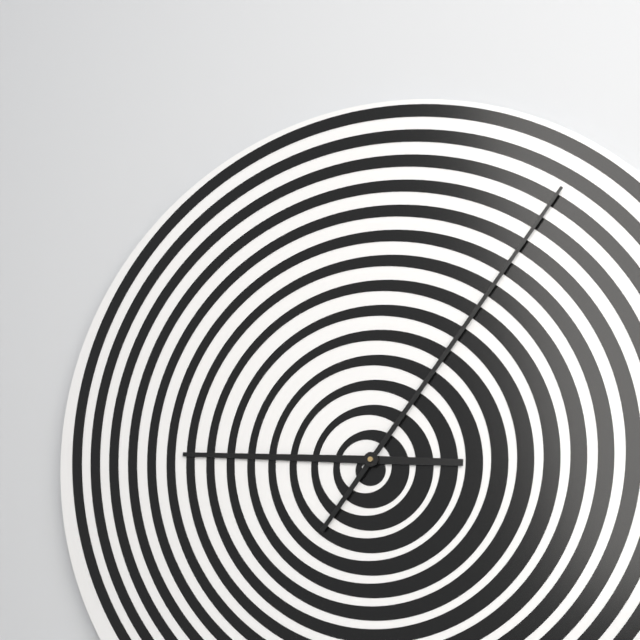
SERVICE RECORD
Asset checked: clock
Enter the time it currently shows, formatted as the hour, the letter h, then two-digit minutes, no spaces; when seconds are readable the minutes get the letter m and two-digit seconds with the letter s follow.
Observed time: 9h06
